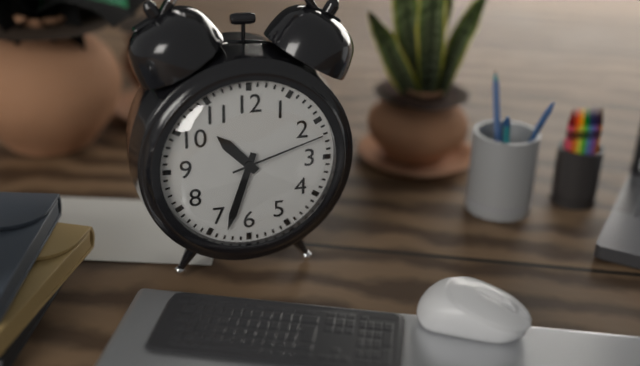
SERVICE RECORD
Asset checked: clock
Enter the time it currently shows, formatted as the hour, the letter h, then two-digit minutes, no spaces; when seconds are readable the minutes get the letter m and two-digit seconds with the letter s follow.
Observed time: 10h33m12s
